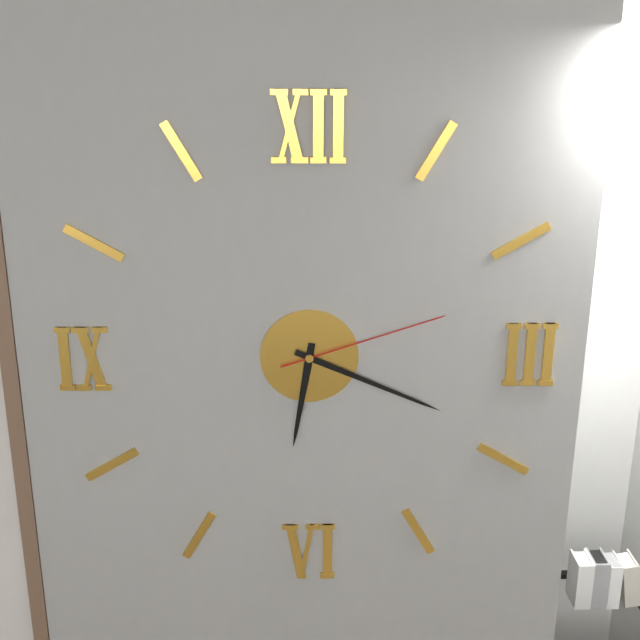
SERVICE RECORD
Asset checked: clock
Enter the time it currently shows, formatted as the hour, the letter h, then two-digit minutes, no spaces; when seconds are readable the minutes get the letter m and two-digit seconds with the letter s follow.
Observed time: 6h19m12s
